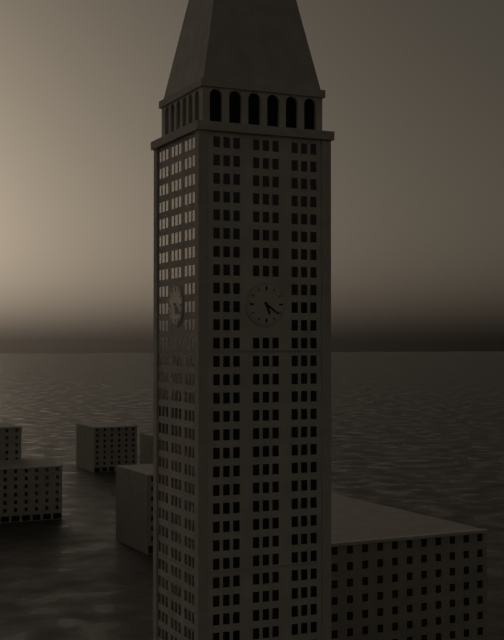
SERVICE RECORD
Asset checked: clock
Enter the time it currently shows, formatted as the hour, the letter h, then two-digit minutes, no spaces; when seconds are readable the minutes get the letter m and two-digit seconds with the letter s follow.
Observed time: 5h21
